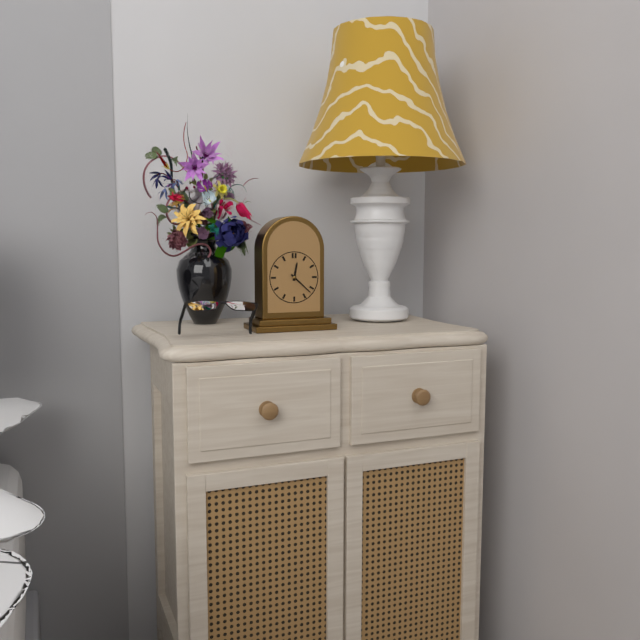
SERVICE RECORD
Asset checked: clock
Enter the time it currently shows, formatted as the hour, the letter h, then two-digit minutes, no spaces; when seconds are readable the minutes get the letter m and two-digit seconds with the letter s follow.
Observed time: 12h22
